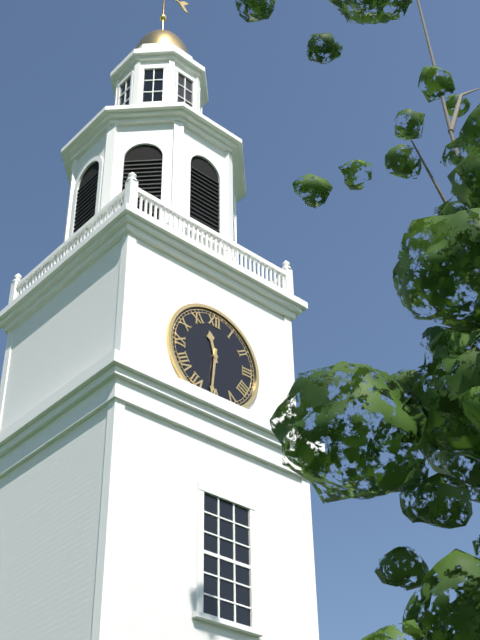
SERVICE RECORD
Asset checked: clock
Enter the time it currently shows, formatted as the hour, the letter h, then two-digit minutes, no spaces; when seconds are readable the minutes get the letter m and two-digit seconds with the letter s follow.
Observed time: 11h31
